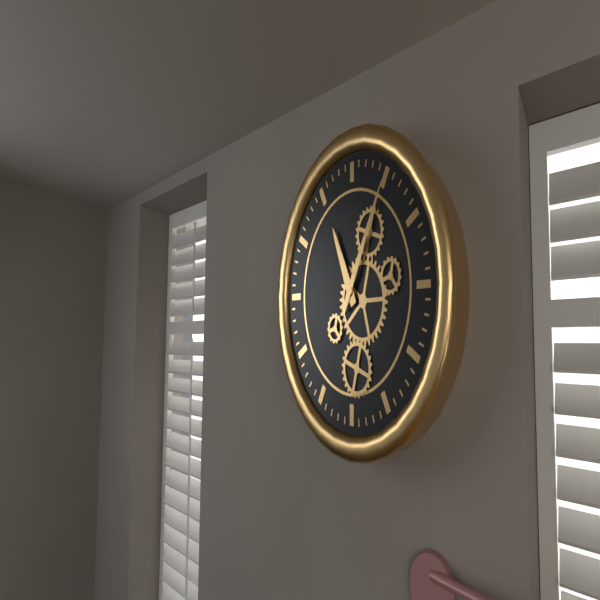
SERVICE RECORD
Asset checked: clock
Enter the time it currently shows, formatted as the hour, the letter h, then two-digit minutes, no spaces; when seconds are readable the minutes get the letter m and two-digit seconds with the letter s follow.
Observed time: 11h05
